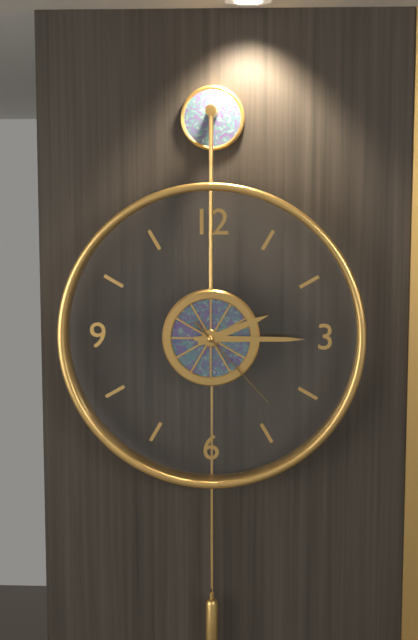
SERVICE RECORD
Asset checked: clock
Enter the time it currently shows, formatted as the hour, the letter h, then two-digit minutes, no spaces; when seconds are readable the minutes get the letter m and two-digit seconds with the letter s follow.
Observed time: 2h15m23s
